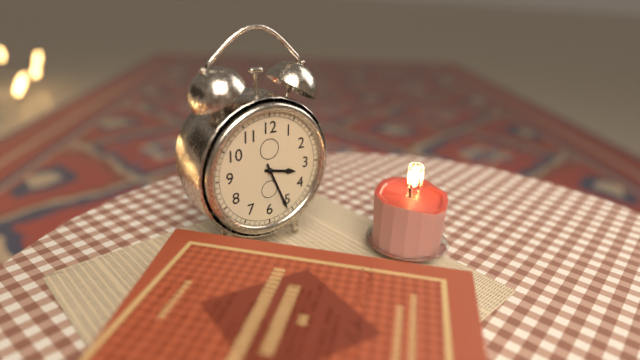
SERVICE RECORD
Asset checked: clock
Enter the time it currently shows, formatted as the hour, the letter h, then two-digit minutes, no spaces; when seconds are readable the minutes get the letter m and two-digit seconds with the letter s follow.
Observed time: 3h26
